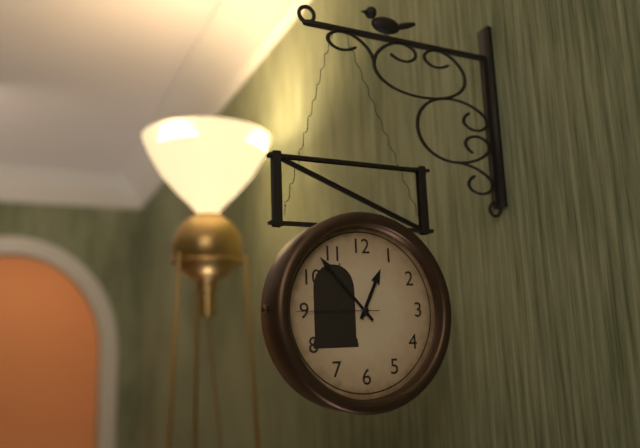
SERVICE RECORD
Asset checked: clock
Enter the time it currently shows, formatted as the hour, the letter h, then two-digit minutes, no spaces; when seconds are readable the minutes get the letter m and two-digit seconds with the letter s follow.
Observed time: 12h53m45s
